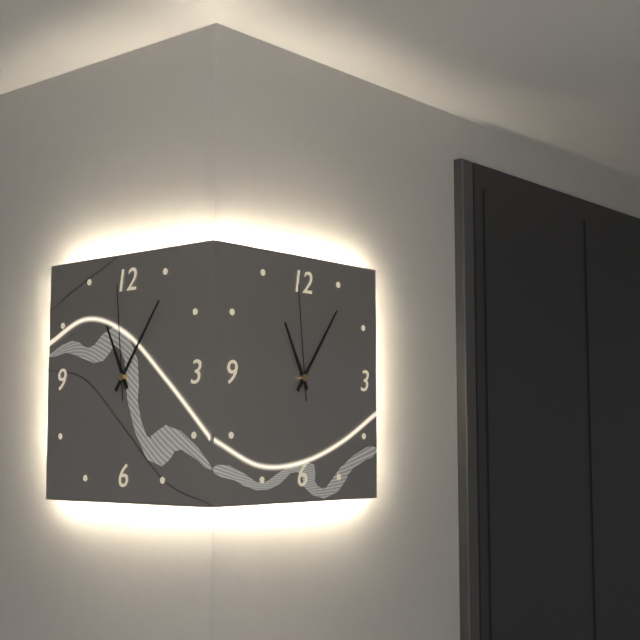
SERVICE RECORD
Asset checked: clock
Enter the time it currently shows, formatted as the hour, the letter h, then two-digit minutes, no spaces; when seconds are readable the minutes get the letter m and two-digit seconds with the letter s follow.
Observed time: 11h06m59s
